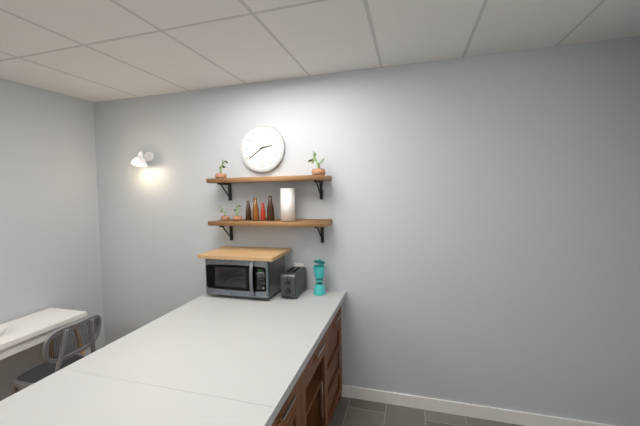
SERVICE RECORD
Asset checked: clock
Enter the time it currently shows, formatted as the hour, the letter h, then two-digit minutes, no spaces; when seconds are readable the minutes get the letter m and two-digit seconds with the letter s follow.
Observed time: 2h39
